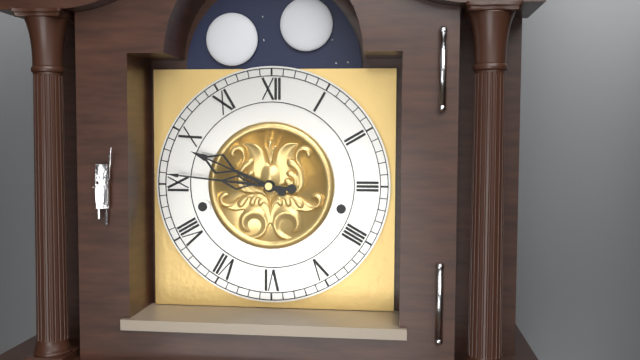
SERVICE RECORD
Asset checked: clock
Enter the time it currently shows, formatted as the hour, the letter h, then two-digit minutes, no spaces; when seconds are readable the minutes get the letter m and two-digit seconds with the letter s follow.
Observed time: 9h46
